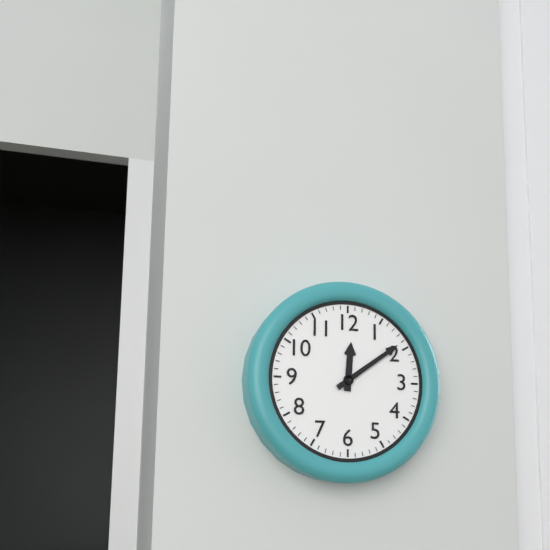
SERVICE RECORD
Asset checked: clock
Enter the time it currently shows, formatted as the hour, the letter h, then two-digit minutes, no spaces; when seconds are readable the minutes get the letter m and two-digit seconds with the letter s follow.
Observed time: 12h09
